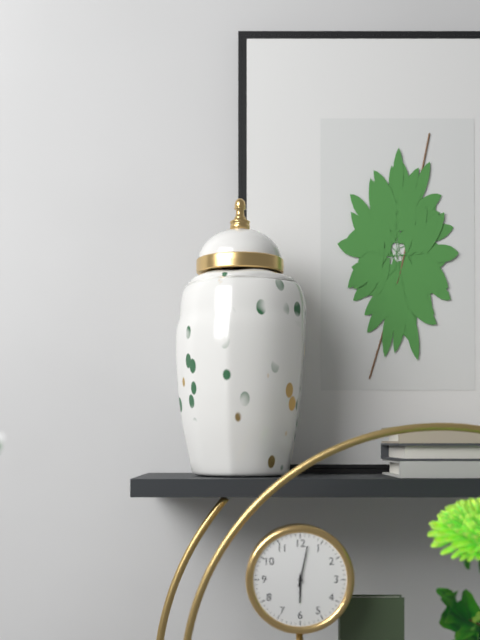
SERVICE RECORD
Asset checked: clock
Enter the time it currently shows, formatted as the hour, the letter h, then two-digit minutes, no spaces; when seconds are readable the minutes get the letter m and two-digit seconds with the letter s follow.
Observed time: 6h02
